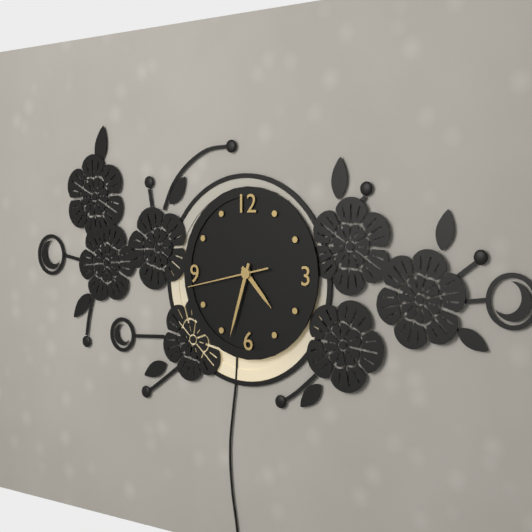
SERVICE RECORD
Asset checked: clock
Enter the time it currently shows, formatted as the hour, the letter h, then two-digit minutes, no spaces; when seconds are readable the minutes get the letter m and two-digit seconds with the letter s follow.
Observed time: 4h33m43s
